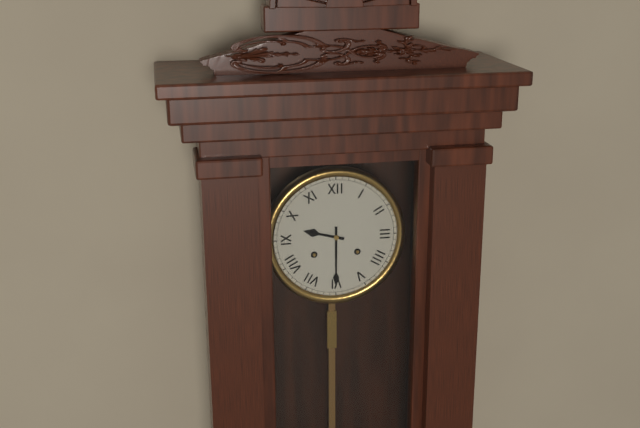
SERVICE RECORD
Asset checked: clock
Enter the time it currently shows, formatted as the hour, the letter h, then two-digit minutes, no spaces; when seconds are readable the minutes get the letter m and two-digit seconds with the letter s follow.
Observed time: 9h30
